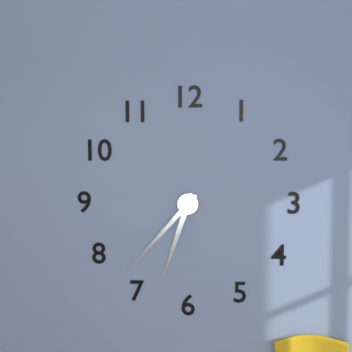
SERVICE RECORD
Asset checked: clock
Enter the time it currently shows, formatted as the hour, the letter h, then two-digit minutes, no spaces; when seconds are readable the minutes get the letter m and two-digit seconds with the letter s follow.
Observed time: 6h37
